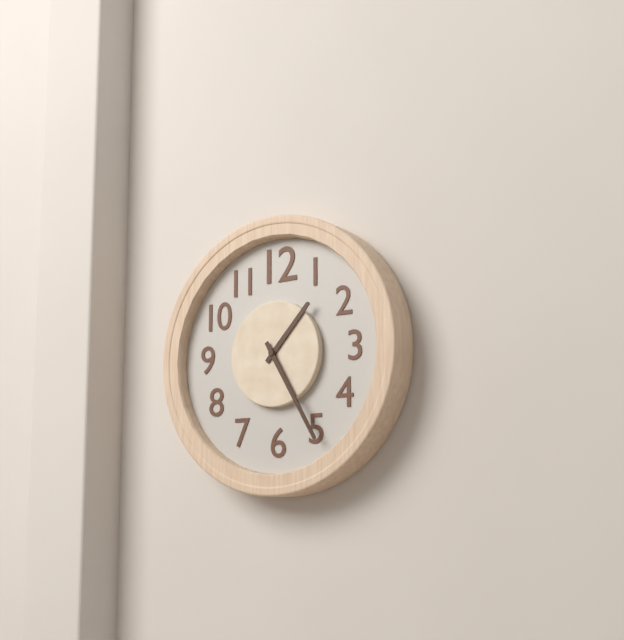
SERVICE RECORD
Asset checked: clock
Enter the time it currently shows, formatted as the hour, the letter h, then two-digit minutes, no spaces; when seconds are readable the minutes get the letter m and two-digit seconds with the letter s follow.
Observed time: 1h25
